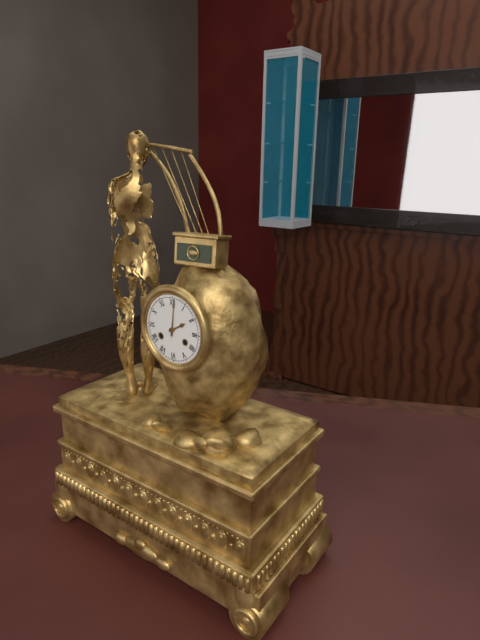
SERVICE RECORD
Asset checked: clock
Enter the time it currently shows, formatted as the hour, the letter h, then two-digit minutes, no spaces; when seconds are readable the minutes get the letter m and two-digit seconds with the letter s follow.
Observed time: 2h01
